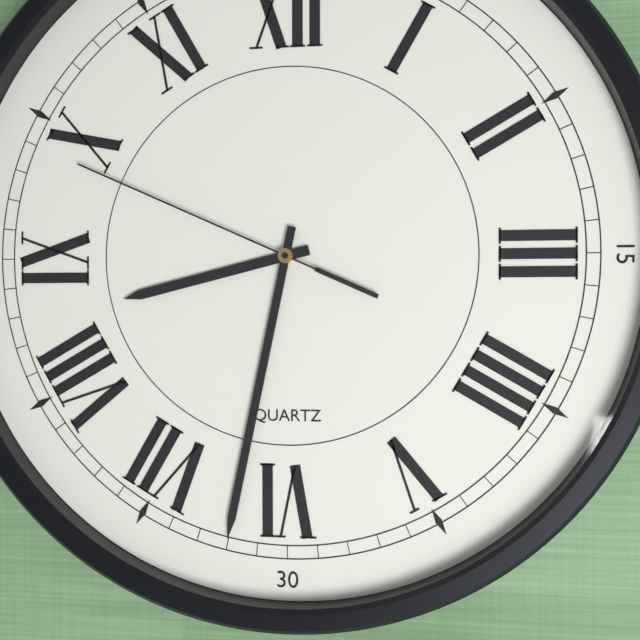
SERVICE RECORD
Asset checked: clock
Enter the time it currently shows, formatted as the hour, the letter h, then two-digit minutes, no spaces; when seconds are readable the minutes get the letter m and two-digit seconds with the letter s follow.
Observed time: 8h32m49s
